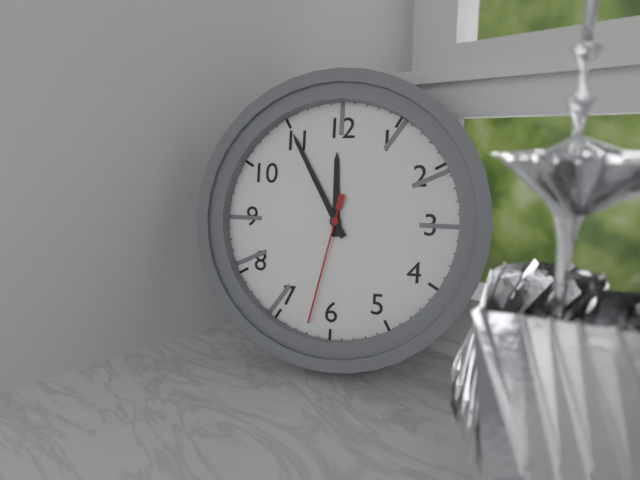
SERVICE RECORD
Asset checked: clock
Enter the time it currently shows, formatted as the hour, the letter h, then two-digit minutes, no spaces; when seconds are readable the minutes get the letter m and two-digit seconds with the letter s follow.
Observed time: 11h55m32s
